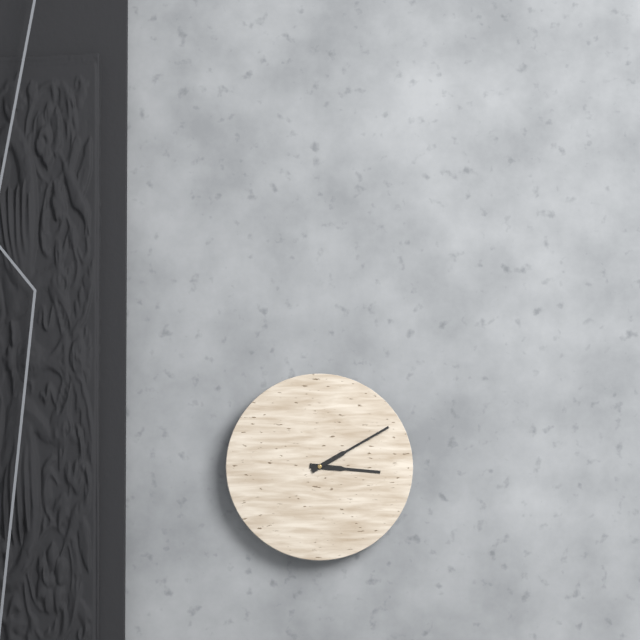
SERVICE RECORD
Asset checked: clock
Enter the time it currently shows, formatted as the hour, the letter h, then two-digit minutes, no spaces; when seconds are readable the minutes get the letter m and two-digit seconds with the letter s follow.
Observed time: 3h10
